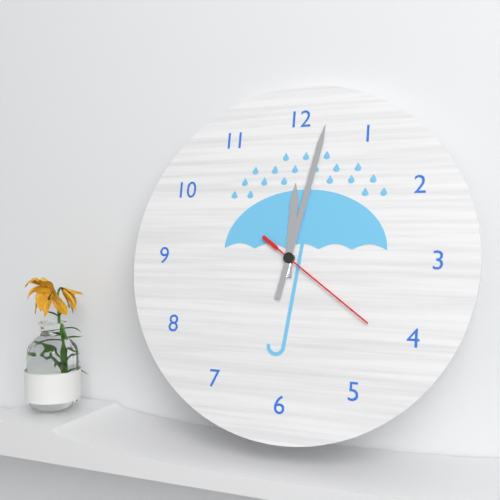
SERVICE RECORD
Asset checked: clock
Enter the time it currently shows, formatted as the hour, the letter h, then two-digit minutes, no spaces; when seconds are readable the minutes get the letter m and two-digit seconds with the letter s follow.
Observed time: 12h02m21s
